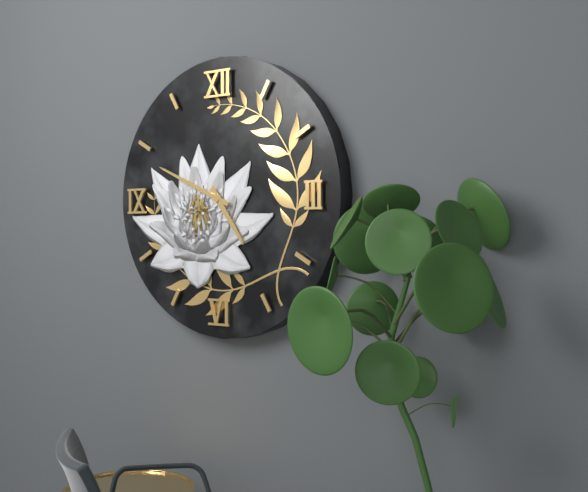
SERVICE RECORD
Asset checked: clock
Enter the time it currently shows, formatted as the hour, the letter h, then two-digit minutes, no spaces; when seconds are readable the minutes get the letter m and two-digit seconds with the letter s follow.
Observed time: 4h49
